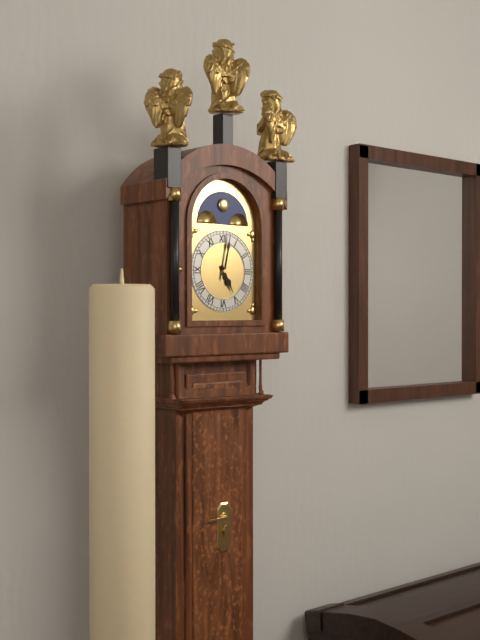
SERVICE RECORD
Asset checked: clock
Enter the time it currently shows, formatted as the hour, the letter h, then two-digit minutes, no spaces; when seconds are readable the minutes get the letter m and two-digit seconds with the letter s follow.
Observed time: 5h02
